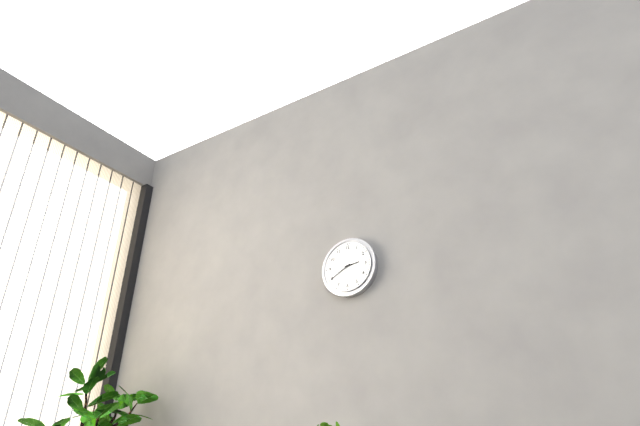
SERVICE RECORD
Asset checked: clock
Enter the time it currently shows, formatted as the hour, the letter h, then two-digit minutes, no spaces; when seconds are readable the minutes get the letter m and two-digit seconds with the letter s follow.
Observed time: 2h40
